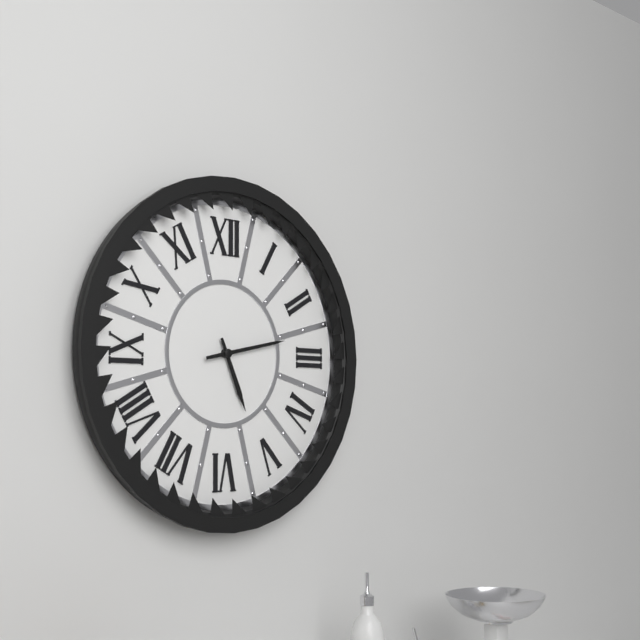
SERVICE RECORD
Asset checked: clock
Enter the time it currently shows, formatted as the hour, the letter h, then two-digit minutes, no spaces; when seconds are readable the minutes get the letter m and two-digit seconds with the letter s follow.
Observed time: 5h13
